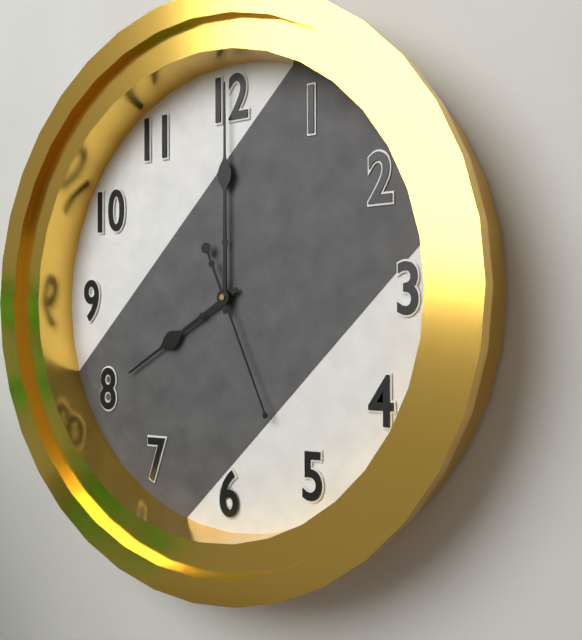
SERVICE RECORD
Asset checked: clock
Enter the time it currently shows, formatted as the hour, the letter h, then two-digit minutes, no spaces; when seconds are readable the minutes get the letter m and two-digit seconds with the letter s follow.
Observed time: 8h00m26s
